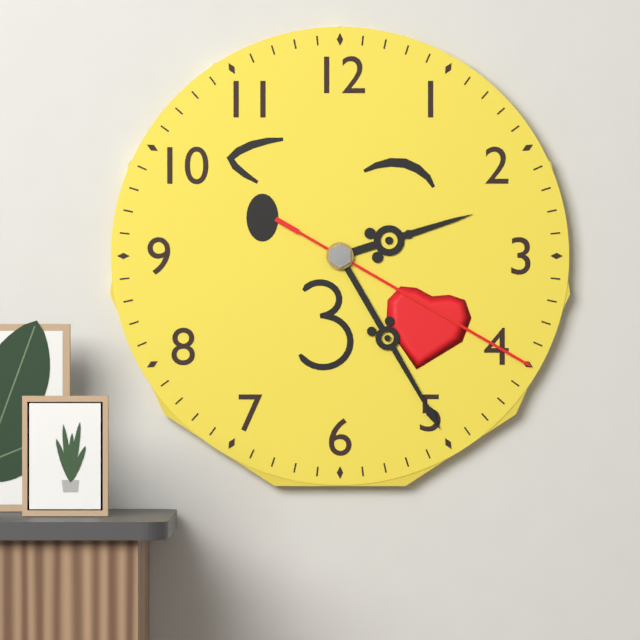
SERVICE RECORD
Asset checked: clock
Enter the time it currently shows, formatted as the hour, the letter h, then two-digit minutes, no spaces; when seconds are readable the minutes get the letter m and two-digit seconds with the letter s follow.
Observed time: 2h25m20s
